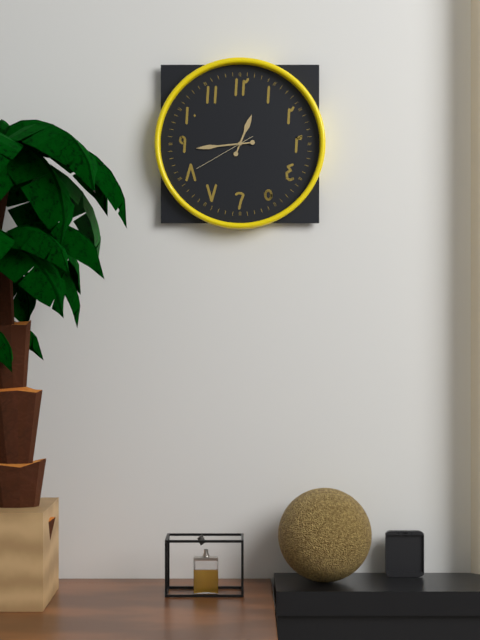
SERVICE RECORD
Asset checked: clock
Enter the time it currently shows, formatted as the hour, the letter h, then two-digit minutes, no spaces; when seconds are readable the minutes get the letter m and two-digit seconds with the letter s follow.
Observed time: 12h44m40s
